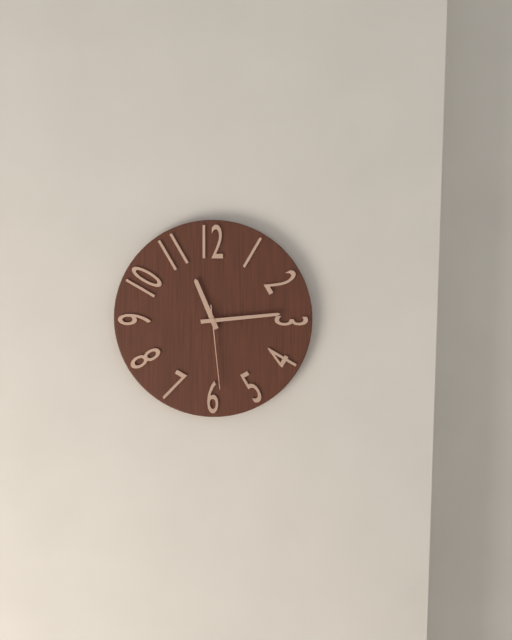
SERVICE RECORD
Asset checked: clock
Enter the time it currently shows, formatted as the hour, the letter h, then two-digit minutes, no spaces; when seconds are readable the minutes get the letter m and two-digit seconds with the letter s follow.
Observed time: 11h14m29s
